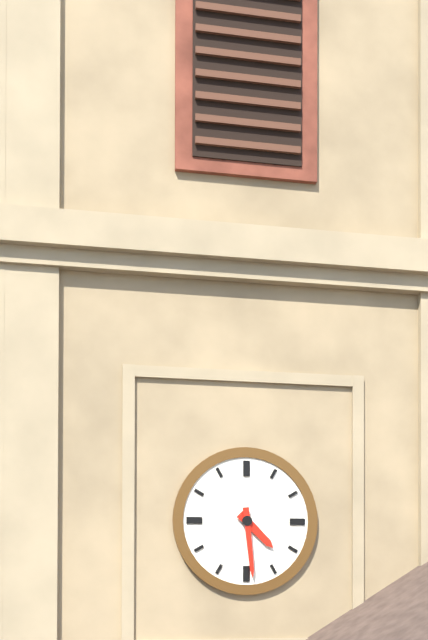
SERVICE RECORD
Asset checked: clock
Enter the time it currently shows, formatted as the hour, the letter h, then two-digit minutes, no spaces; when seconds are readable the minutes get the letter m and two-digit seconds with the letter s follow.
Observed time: 4h29
